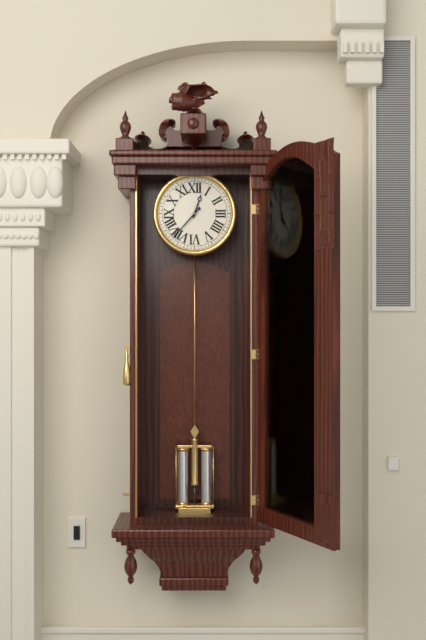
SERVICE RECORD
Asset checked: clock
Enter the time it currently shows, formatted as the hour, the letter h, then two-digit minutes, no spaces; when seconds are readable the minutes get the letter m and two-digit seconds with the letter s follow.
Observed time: 12h37
